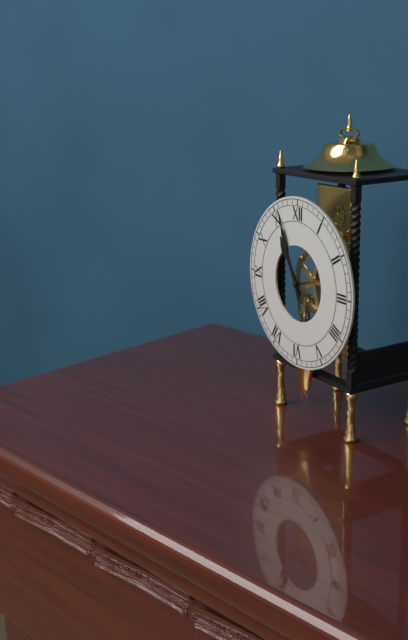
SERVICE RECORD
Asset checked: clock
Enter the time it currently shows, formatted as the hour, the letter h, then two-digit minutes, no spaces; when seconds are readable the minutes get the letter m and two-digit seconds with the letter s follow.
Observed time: 10h56
